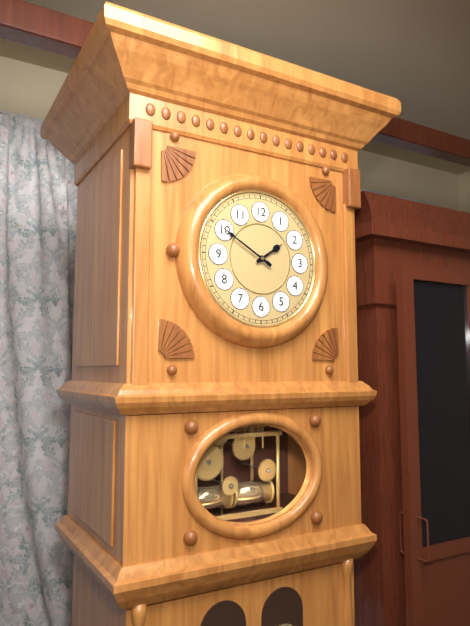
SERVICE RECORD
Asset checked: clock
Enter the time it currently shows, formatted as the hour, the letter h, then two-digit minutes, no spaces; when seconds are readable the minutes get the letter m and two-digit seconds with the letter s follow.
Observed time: 1h50
